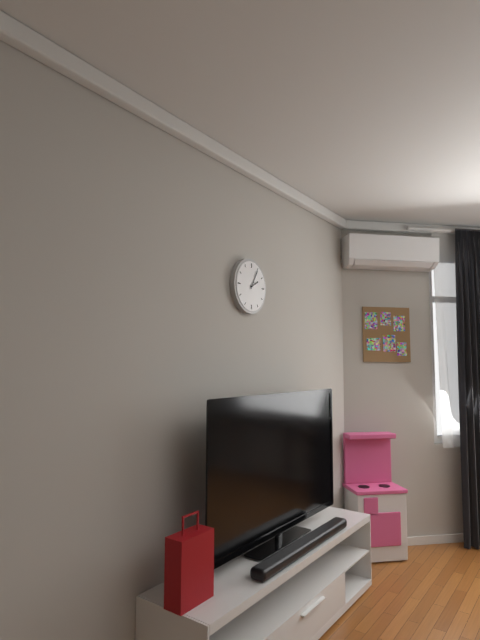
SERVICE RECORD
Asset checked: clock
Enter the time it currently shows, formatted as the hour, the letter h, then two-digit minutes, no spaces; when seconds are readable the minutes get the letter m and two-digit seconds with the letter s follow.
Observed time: 2h05
